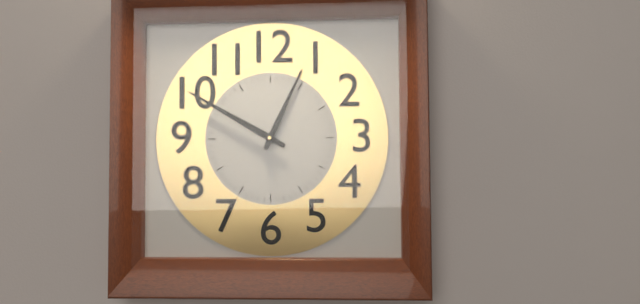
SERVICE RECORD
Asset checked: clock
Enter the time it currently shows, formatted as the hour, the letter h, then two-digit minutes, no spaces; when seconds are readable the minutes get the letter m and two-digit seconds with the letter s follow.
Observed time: 12h50
